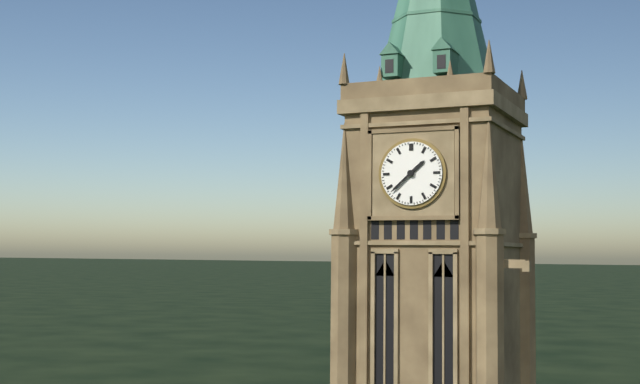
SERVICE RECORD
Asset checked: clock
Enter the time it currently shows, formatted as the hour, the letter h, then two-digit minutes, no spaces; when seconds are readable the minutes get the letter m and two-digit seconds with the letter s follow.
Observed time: 1h38
